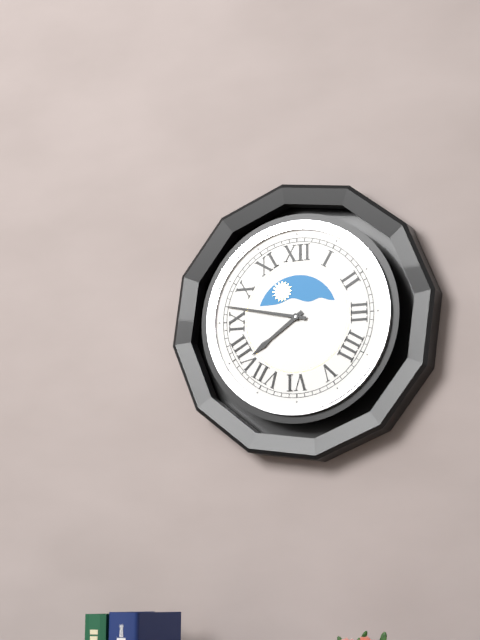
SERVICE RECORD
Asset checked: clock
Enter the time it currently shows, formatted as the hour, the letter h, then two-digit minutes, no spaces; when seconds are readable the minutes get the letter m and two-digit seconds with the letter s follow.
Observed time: 7h47
